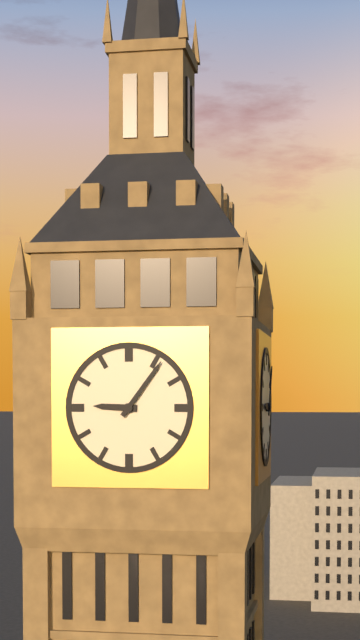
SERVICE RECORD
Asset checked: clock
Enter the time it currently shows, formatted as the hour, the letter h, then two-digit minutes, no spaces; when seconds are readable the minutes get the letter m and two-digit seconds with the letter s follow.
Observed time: 9h06
